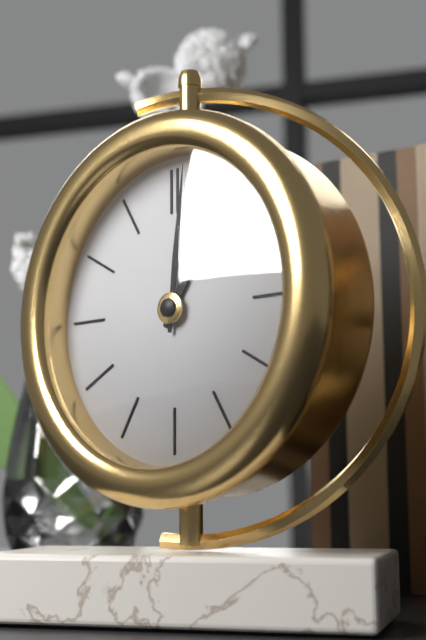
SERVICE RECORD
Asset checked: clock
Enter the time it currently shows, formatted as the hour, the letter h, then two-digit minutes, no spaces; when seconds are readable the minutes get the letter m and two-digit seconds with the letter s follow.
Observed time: 1h01
